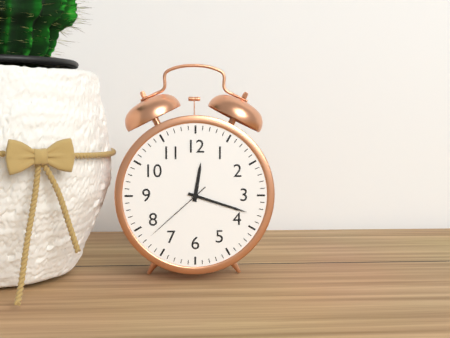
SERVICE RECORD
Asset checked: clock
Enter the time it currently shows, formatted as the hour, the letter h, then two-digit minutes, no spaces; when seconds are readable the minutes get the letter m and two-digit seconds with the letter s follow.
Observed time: 12h18m38s
